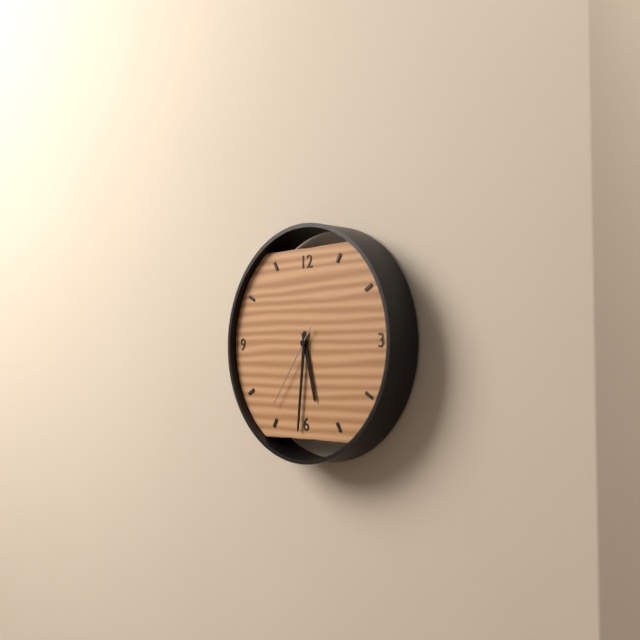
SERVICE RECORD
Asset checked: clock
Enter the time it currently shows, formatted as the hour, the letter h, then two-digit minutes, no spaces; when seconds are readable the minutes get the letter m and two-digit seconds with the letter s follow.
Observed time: 5h31m36s
